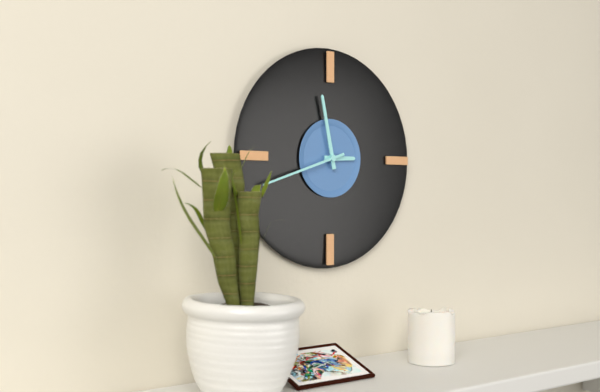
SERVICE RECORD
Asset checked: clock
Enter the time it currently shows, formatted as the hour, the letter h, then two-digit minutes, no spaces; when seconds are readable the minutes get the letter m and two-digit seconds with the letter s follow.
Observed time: 2h58m42s
